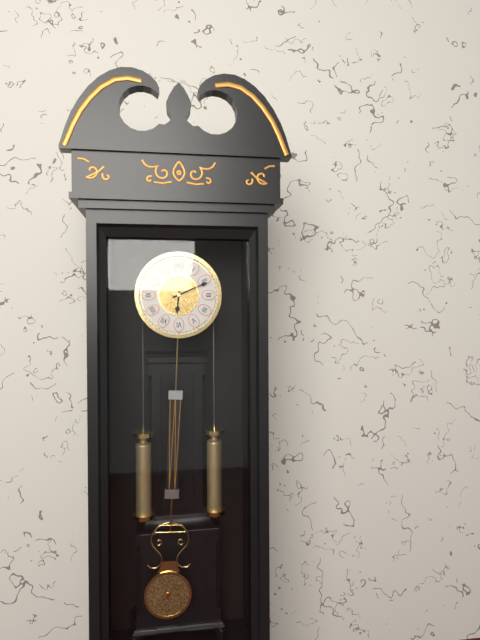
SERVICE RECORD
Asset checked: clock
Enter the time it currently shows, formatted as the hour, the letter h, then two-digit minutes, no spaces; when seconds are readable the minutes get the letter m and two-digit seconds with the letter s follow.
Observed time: 6h11
